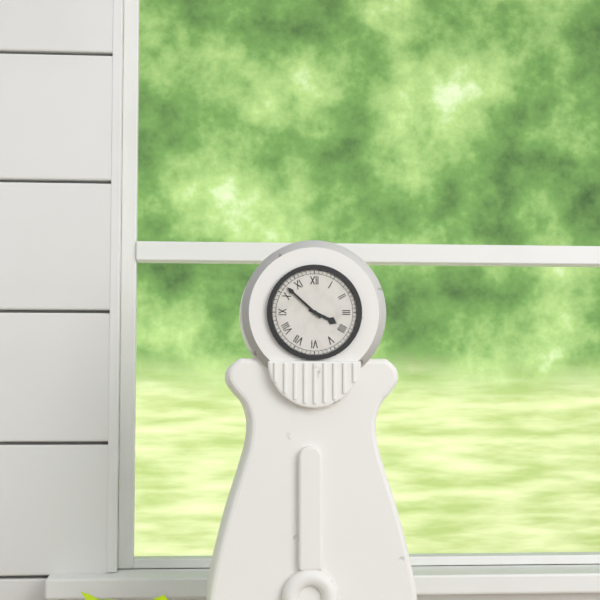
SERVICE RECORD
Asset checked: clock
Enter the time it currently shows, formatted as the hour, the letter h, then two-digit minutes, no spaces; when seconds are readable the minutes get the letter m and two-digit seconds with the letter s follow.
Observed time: 3h52
